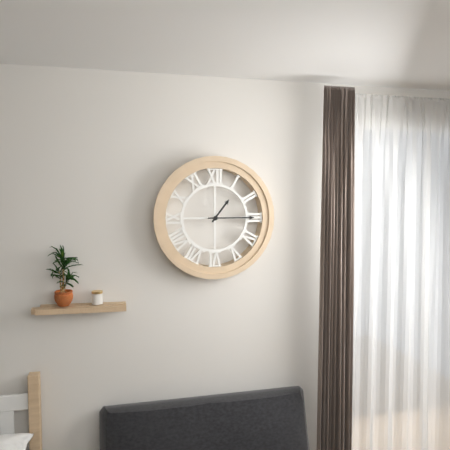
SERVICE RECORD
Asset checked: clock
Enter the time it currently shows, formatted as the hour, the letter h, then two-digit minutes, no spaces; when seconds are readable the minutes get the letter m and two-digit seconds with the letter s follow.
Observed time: 1h15
